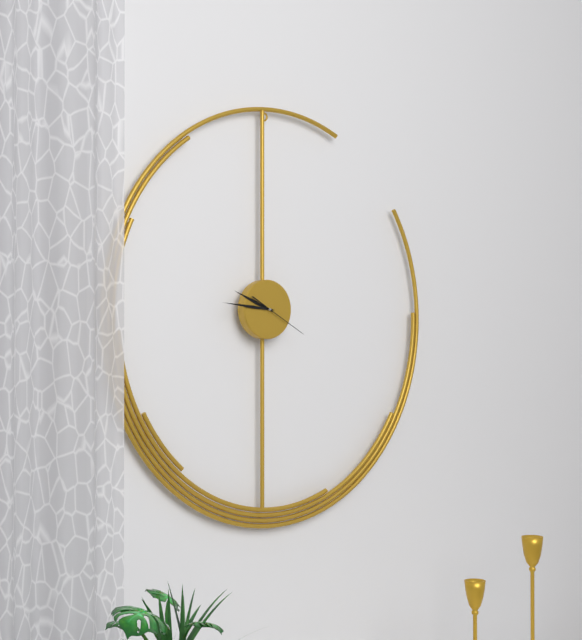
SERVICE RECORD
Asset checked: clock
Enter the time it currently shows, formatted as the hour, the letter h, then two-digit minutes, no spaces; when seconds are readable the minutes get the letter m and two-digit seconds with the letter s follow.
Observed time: 9h46m20s
